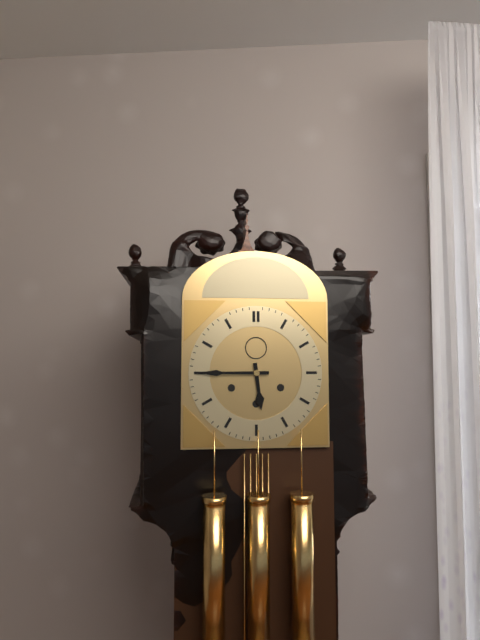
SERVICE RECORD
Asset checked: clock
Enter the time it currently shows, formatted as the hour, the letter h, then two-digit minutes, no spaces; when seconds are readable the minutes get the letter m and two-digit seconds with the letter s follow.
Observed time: 5h45
